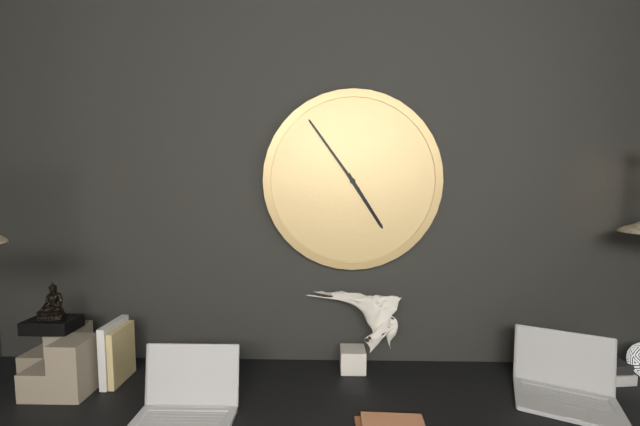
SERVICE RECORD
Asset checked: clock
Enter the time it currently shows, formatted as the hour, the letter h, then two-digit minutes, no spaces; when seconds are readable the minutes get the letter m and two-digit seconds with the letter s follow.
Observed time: 4h54
